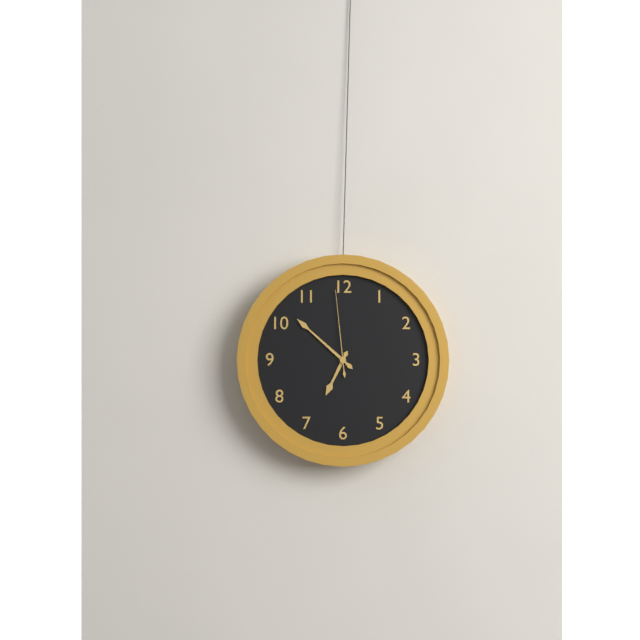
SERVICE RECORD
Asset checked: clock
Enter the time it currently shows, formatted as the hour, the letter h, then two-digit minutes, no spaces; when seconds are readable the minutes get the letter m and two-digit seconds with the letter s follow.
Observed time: 6h52m59s
